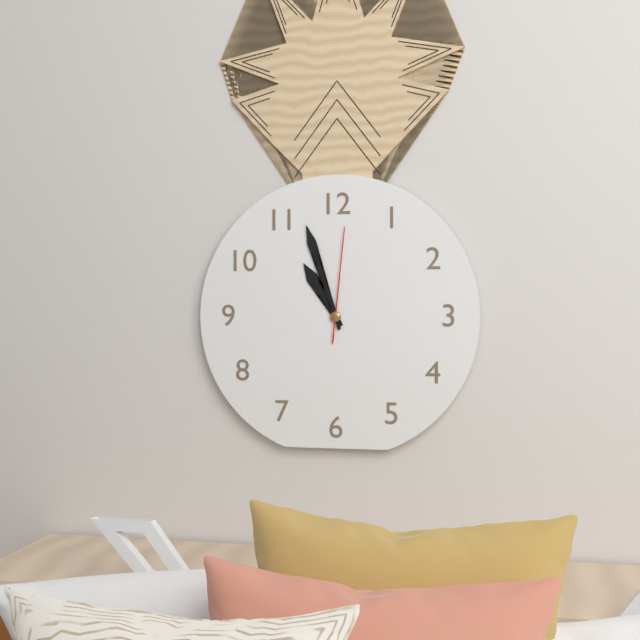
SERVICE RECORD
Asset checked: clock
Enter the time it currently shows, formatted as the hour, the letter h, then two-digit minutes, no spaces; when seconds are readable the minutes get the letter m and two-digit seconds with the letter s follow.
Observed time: 10h57m01s
